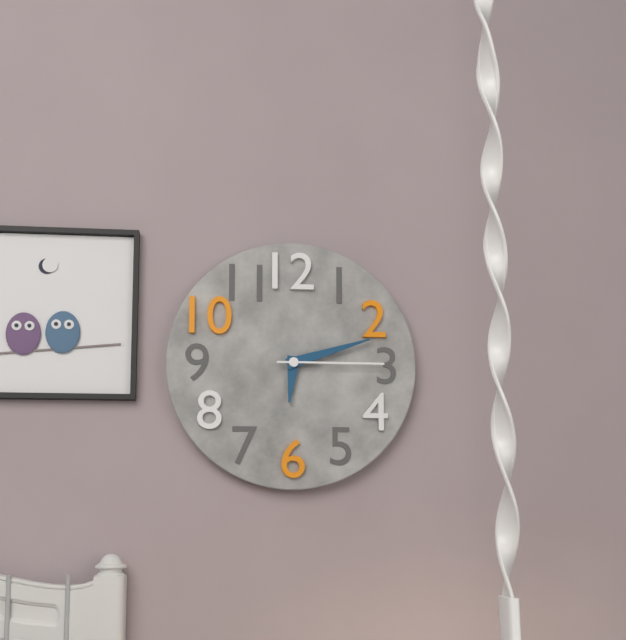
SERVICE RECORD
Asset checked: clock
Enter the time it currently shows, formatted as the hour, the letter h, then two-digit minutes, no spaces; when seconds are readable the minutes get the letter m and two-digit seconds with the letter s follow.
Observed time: 6h12m15s
